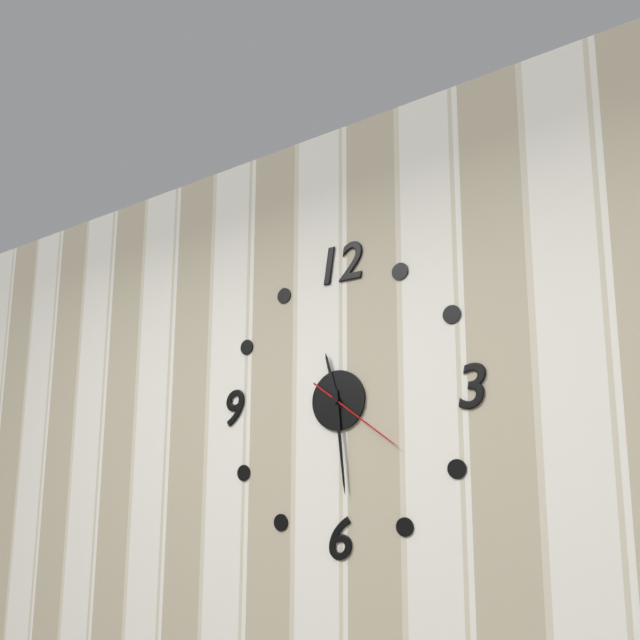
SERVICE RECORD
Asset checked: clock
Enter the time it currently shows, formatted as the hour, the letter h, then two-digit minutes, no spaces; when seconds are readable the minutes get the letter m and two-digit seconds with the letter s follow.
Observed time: 11h29m21s
